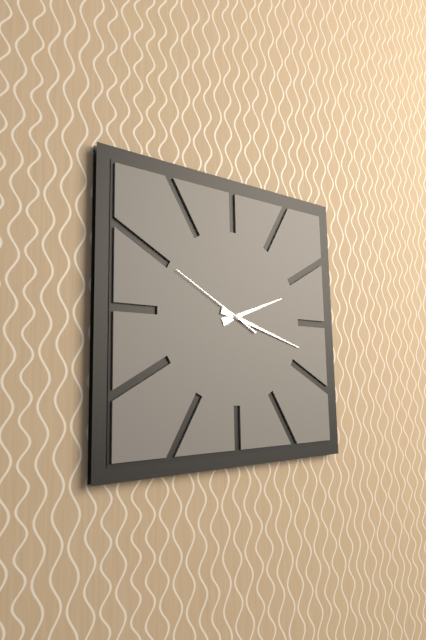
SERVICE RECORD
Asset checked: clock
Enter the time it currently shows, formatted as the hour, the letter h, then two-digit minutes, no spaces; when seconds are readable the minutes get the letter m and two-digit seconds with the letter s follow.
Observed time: 2h18m50s
